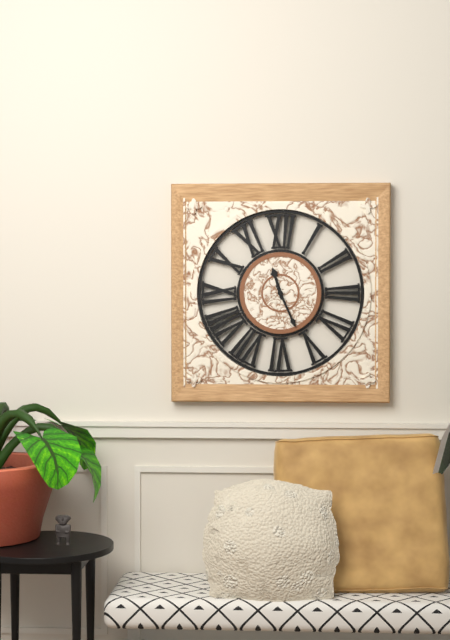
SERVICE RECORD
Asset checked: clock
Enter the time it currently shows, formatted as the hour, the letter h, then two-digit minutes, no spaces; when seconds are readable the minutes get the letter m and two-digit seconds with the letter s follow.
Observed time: 11h26
